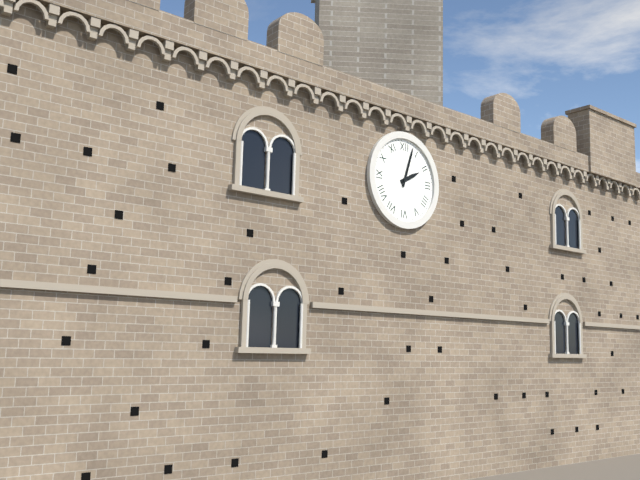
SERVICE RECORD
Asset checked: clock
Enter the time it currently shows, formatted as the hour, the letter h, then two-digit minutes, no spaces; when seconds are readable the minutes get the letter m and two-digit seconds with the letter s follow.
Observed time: 2h03
